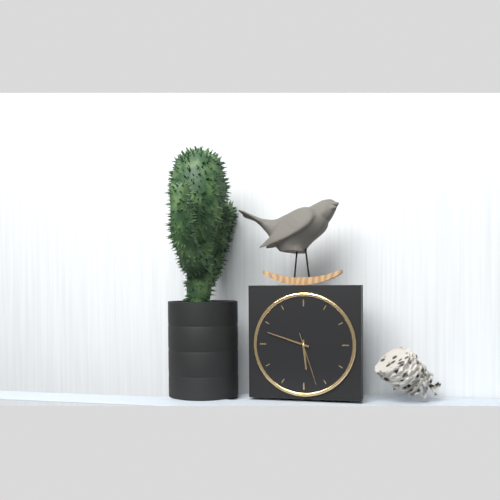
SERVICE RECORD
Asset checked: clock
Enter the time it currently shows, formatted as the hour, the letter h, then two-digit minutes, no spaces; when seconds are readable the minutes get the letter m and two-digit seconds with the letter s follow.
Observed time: 5h48m27s
